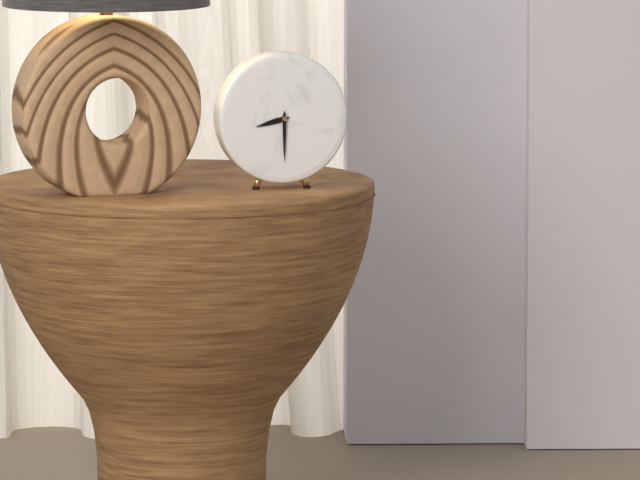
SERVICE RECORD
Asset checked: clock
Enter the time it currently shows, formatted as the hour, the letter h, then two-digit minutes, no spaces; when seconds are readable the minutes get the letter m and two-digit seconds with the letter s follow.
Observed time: 8h30
